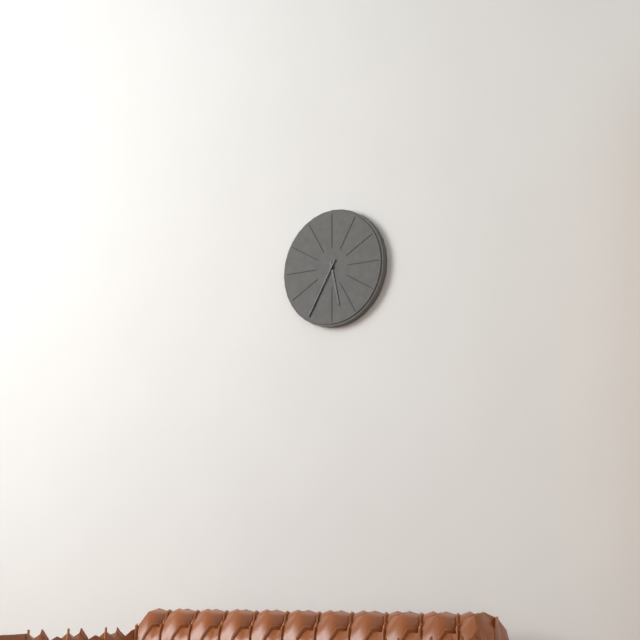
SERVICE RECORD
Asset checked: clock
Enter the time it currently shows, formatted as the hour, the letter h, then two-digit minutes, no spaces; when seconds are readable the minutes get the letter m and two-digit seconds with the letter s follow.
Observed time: 5h35
